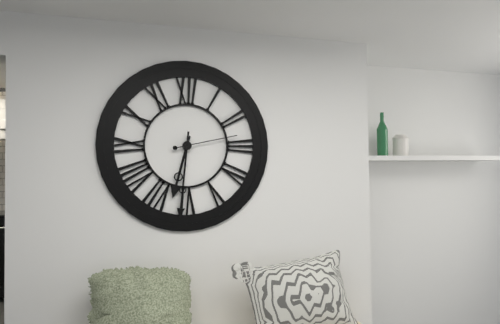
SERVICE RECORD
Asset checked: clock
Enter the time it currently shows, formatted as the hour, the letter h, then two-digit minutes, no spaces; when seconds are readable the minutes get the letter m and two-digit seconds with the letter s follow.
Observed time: 6h31m13s
